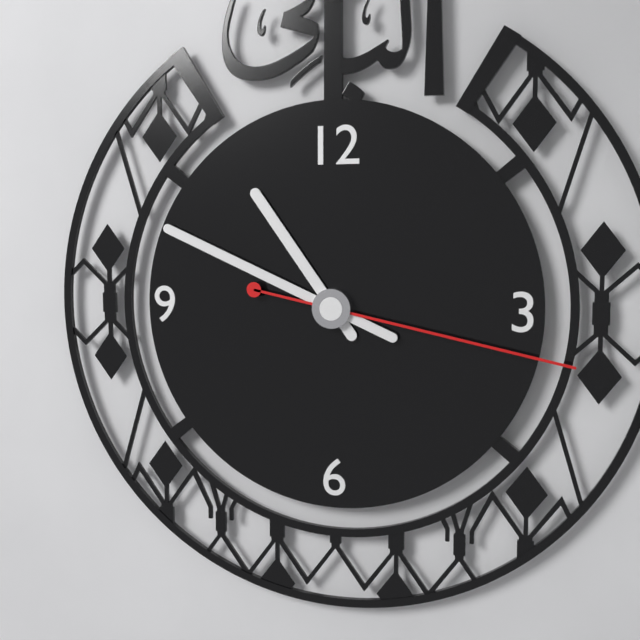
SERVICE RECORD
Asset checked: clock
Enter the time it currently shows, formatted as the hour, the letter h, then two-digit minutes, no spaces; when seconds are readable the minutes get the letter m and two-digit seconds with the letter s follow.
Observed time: 10h49m17s
